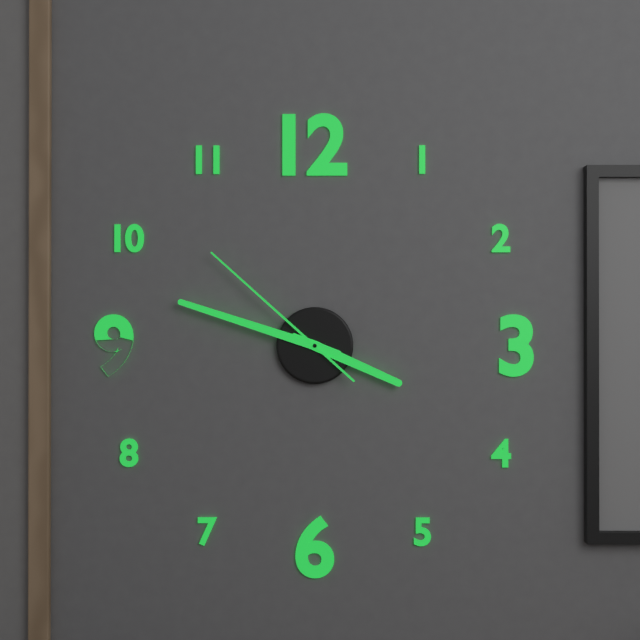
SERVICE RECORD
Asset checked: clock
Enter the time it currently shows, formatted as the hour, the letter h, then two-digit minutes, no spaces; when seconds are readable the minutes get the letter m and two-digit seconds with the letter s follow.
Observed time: 3h48m52s
